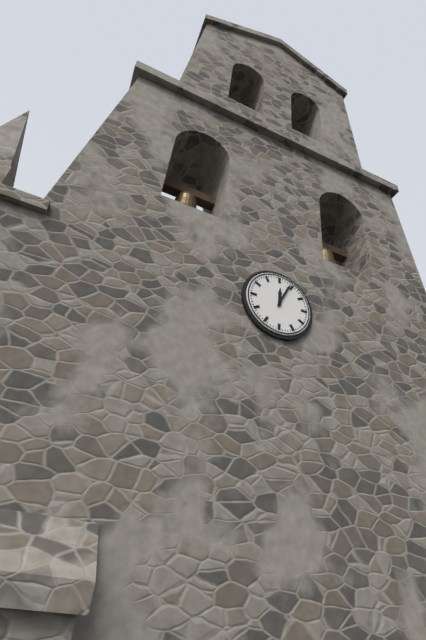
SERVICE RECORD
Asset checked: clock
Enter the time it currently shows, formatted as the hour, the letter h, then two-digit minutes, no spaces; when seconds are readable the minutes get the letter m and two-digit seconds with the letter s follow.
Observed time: 12h04
